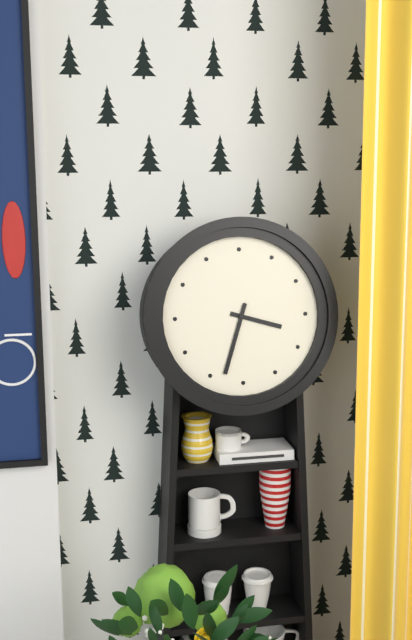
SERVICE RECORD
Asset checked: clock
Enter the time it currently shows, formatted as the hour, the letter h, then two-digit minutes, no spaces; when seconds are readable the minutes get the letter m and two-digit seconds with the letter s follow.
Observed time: 3h33
